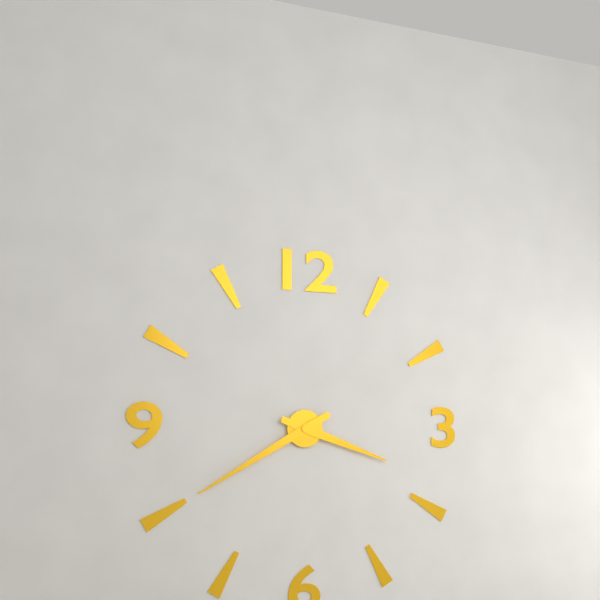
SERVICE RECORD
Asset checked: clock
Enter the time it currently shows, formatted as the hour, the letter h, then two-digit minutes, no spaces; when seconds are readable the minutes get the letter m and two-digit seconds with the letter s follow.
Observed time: 3h40
